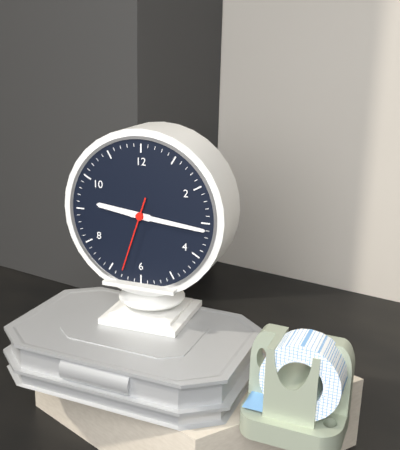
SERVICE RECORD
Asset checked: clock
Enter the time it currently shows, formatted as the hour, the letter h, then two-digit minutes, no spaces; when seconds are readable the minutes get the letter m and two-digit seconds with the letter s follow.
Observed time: 9h16m33s
